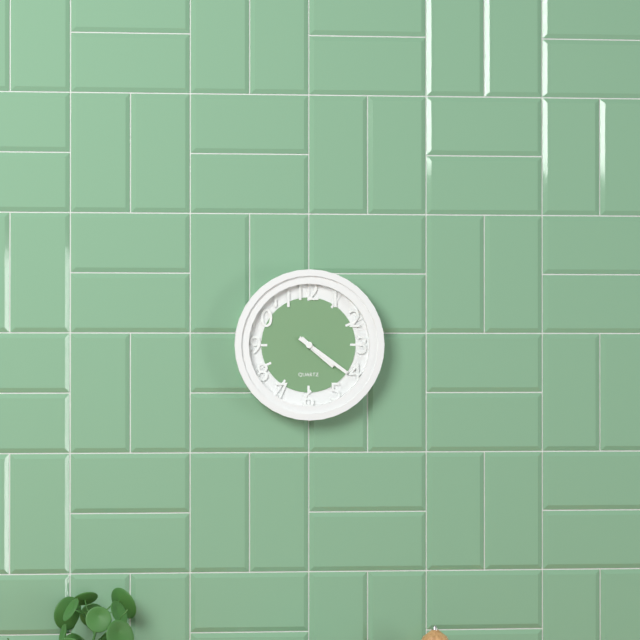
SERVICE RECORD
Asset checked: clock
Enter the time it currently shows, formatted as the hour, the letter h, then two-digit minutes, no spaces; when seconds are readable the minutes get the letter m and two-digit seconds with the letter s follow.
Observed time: 4h21
